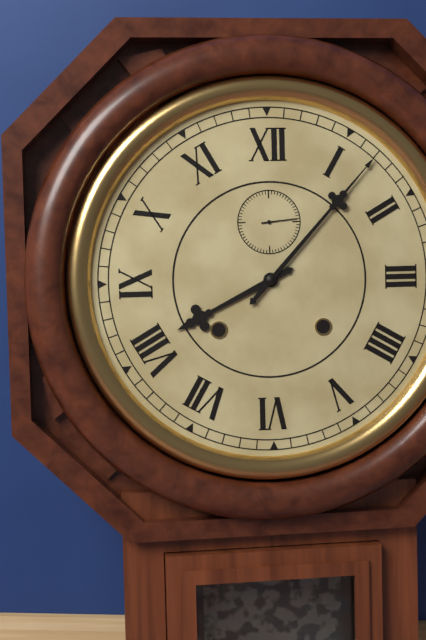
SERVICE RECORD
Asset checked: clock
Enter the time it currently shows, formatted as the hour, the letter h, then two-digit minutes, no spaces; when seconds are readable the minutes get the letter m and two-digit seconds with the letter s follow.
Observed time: 8h07
